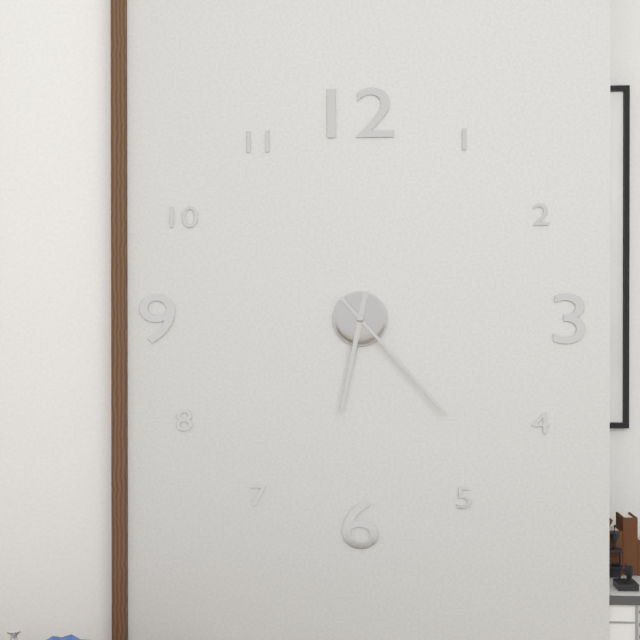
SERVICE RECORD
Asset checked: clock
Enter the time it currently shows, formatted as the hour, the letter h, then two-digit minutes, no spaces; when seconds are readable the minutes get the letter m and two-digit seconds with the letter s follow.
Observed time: 6h23
